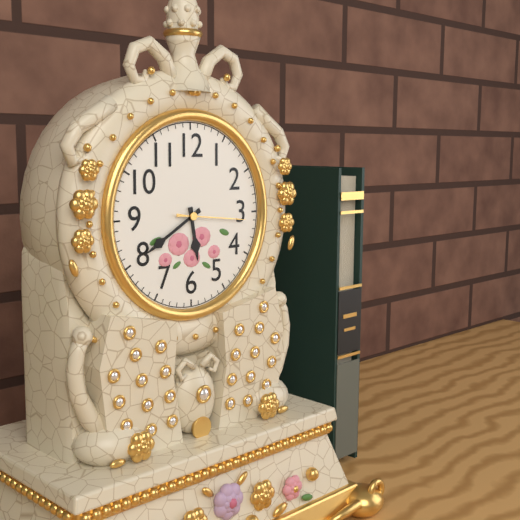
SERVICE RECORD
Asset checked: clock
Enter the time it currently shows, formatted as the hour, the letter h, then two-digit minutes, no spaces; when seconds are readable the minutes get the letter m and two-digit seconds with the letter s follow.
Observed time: 5h40m16s
